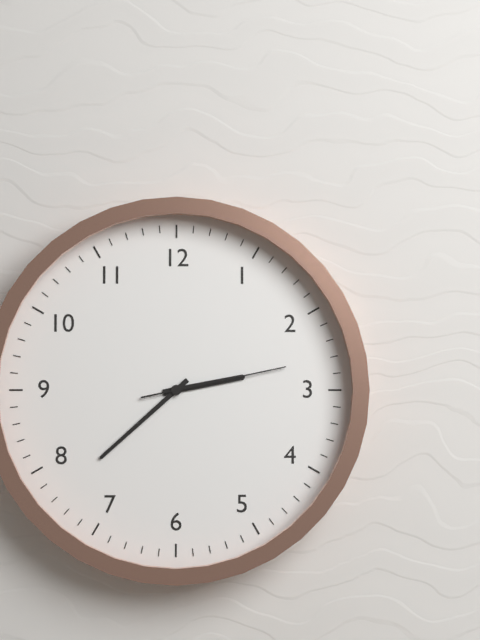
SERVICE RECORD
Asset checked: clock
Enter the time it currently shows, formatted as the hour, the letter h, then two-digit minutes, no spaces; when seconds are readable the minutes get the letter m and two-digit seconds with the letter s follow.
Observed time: 2h38m13s
